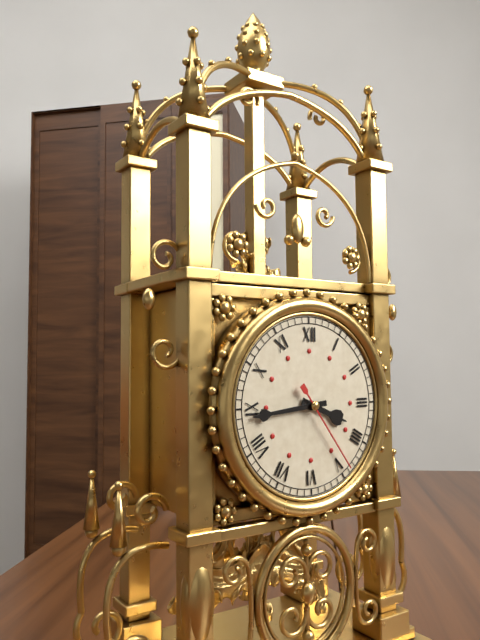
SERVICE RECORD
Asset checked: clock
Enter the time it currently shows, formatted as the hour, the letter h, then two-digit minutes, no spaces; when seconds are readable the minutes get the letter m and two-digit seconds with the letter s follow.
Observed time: 3h44m24s
